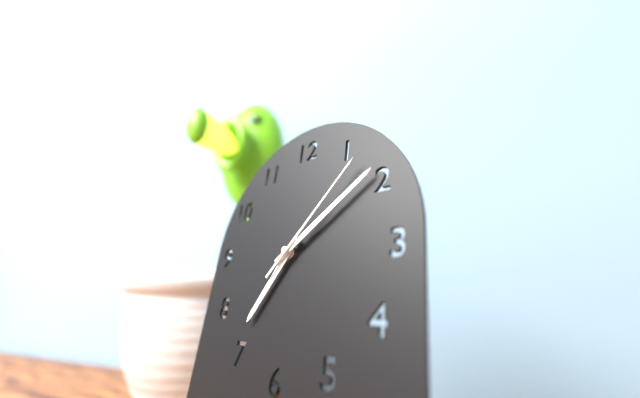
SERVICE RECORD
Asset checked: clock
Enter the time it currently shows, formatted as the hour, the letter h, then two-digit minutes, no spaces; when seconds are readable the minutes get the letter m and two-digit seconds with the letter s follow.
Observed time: 7h09m07s
